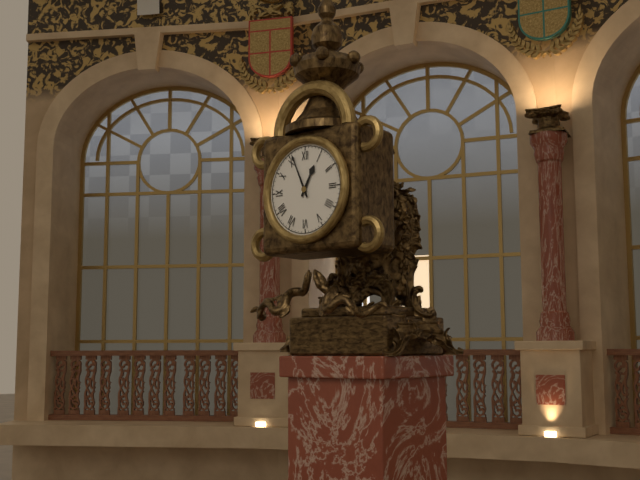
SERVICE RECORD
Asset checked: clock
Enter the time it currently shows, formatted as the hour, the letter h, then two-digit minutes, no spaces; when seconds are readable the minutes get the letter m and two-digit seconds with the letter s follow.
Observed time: 12h56
